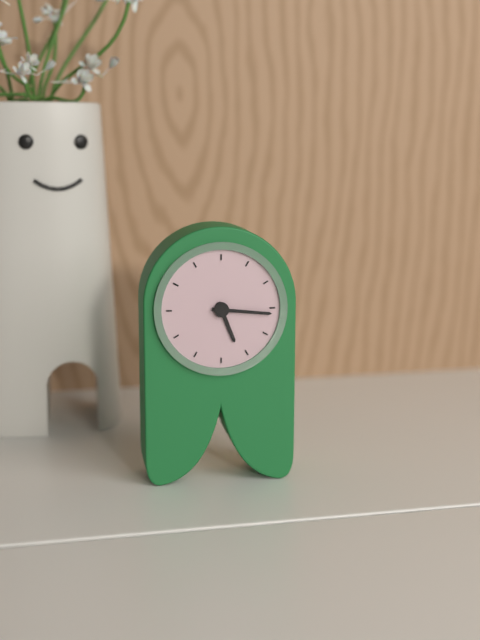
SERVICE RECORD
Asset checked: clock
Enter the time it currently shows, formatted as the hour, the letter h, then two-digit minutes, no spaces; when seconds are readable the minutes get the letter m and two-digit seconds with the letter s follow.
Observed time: 5h16
